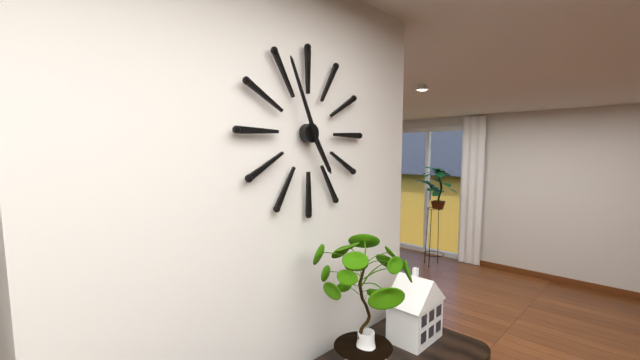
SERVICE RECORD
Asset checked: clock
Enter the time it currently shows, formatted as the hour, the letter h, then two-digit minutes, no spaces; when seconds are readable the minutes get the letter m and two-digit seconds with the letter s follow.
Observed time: 4h56
